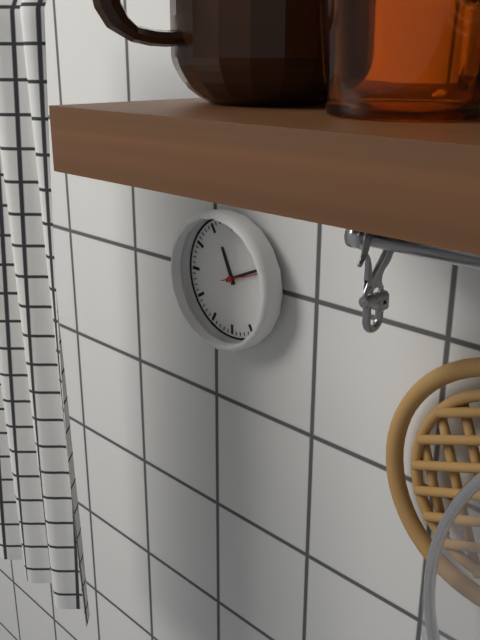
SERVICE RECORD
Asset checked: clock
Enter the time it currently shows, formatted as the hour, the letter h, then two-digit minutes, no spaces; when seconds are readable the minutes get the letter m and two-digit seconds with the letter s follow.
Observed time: 11h11
